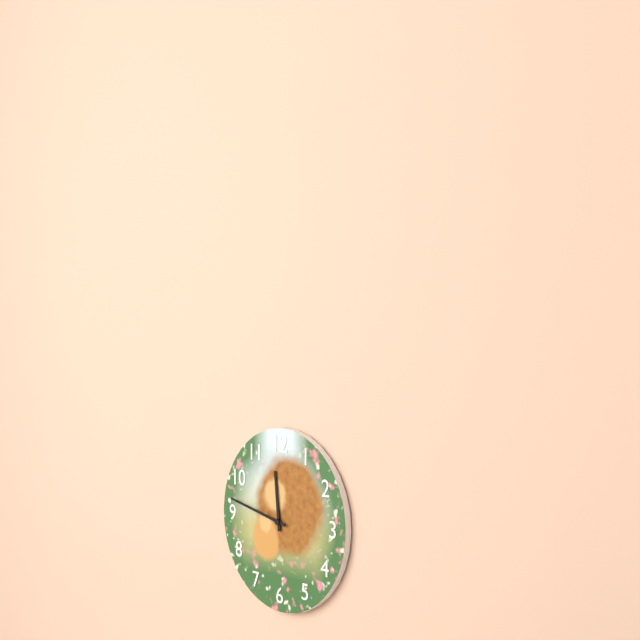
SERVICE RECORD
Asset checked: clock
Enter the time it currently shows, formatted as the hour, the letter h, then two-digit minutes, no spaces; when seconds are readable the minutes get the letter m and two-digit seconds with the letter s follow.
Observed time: 11h47
